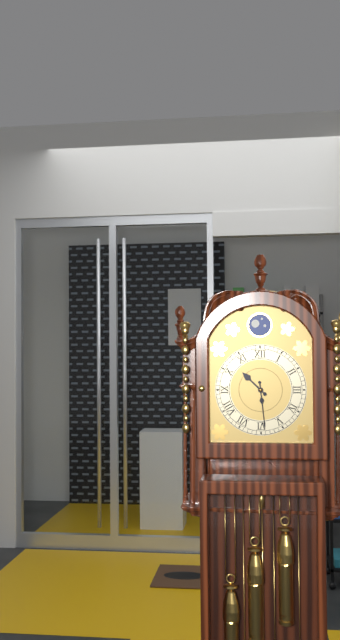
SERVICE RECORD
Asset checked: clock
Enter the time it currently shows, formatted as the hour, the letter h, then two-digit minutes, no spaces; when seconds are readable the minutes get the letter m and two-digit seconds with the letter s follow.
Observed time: 10h29
